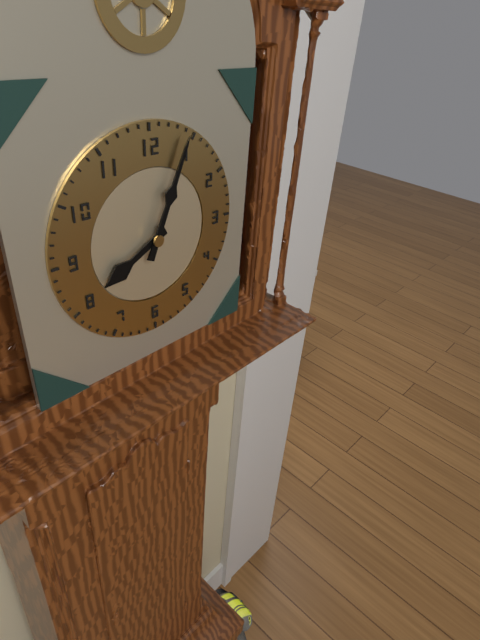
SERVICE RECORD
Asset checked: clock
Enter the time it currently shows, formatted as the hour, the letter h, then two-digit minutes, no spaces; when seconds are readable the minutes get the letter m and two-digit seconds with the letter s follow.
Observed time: 8h04
